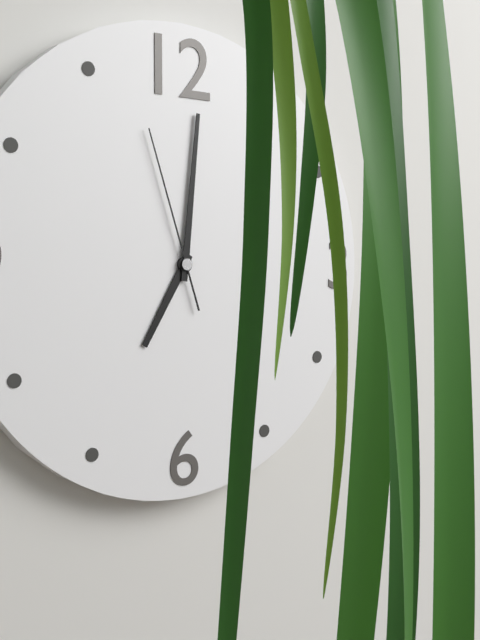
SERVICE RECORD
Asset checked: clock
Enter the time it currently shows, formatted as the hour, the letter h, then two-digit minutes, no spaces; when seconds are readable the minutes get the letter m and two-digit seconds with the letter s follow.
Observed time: 7h01m57s
